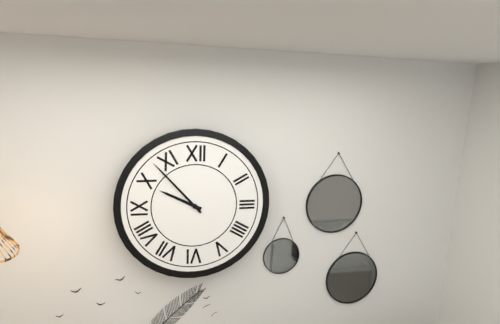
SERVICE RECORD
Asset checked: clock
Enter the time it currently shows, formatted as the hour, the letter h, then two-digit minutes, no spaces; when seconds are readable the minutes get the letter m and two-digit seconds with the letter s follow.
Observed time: 9h53
